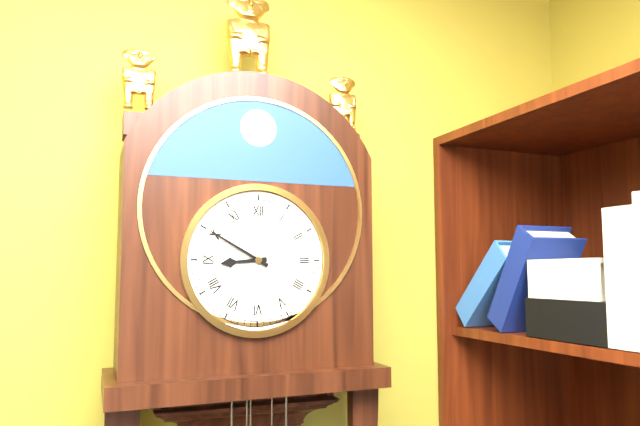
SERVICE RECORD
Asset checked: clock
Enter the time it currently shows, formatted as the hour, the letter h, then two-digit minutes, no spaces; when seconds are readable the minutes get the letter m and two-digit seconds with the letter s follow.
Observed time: 8h50
